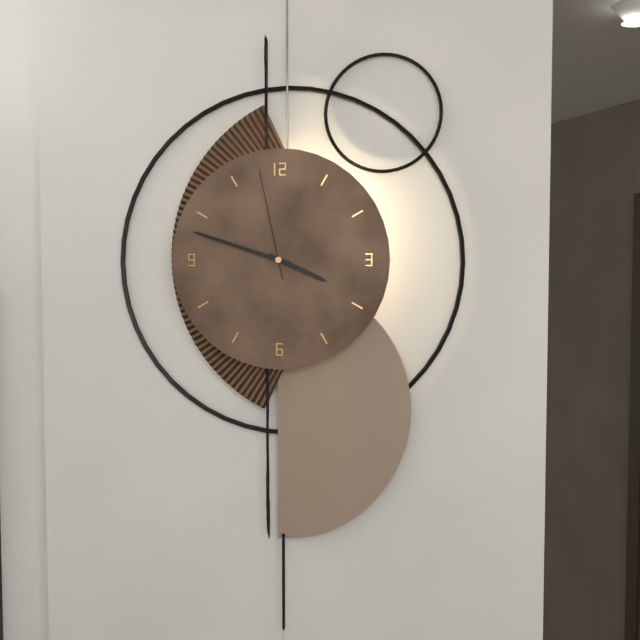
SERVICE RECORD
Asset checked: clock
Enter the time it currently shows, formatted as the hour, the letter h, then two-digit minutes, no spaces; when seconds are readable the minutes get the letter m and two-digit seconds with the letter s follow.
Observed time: 3h48m58s
